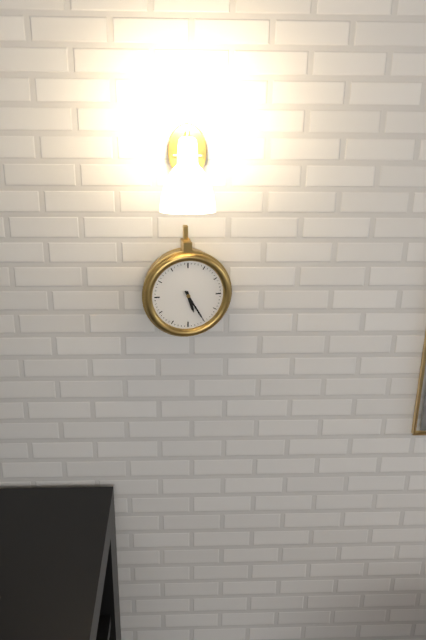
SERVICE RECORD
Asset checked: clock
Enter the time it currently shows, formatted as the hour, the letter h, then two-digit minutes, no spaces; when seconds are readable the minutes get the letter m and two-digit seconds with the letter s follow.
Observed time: 5h25
